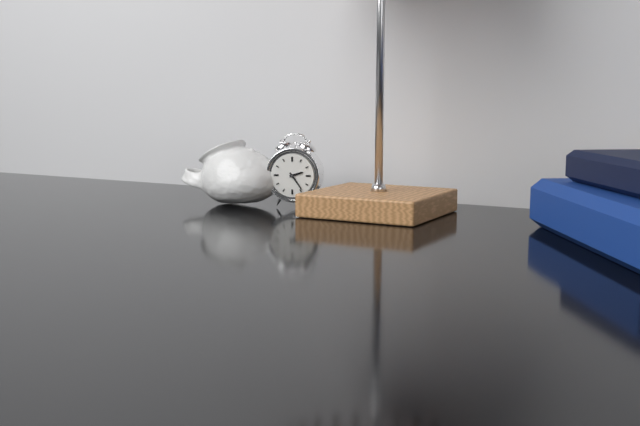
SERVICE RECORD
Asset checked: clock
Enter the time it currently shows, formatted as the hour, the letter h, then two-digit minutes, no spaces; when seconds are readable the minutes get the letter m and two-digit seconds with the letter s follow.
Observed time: 2h24
